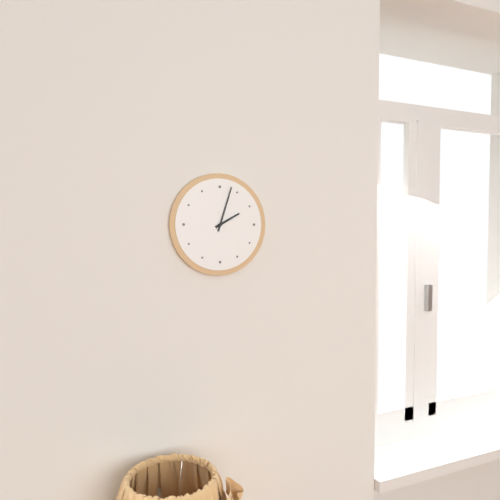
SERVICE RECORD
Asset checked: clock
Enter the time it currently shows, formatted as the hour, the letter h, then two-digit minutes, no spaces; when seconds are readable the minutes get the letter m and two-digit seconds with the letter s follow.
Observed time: 2h03
